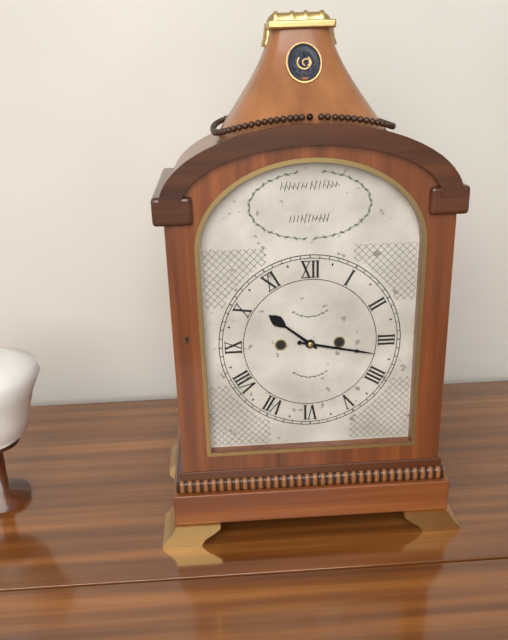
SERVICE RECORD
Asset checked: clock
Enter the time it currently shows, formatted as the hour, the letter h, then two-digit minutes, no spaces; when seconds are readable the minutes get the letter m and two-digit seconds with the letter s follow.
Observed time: 10h17
